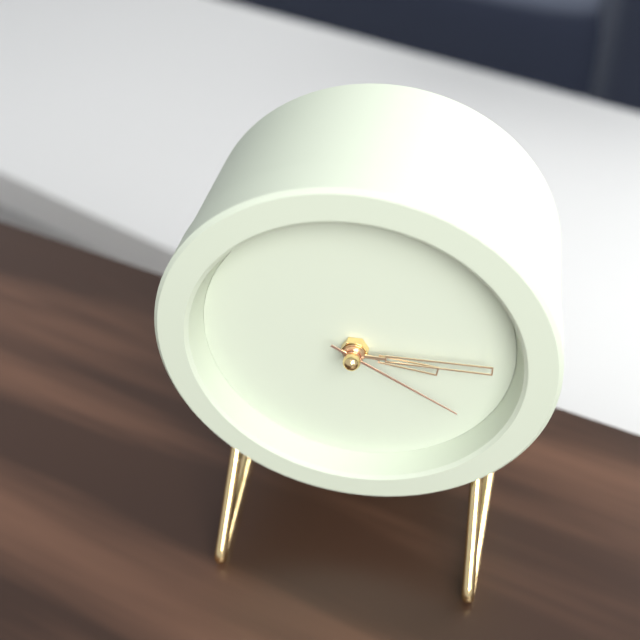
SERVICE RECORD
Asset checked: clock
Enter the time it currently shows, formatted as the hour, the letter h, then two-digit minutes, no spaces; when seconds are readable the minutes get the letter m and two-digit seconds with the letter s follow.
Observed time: 3h15m20s
